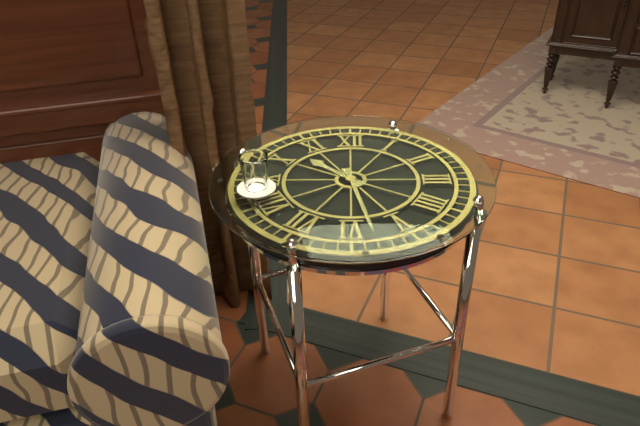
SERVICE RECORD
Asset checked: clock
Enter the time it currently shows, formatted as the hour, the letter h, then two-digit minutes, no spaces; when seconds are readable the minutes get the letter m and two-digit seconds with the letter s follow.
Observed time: 10h28
